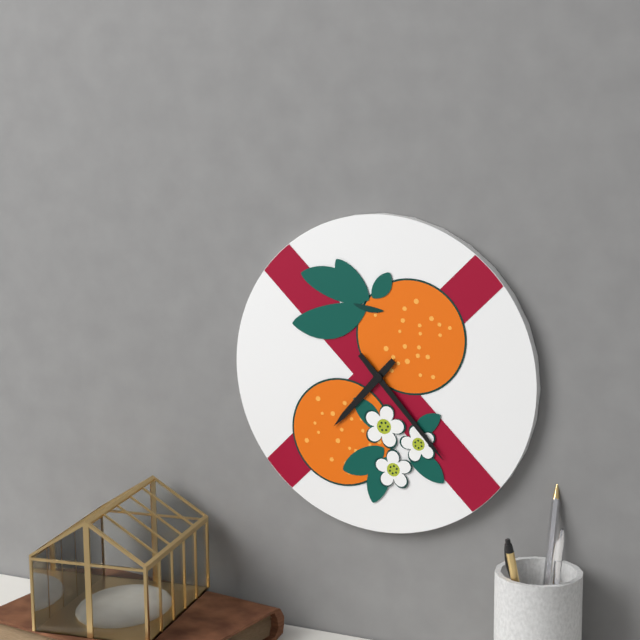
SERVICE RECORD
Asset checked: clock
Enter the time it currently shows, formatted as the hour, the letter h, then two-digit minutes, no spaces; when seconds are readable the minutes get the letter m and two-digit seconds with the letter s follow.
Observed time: 7h23
